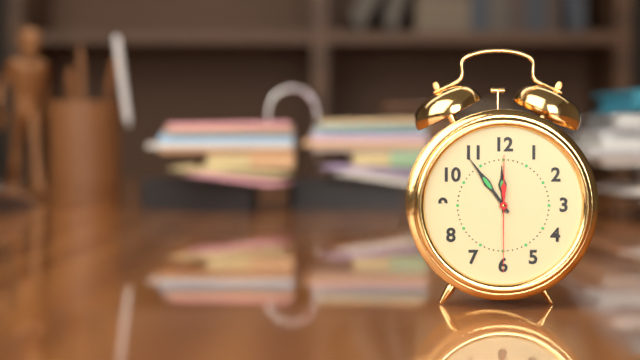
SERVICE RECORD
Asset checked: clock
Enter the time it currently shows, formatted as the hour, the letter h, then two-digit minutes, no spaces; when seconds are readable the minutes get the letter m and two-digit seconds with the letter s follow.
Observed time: 11h54m30s
